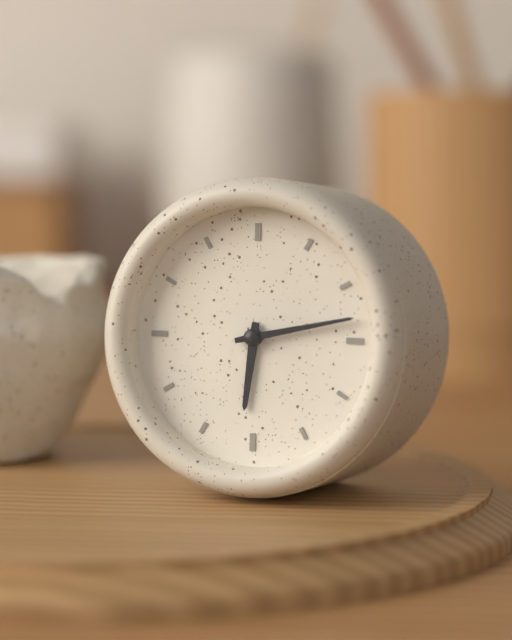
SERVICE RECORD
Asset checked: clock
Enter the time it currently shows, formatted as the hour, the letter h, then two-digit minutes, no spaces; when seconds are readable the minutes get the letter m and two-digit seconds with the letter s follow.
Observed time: 6h13
